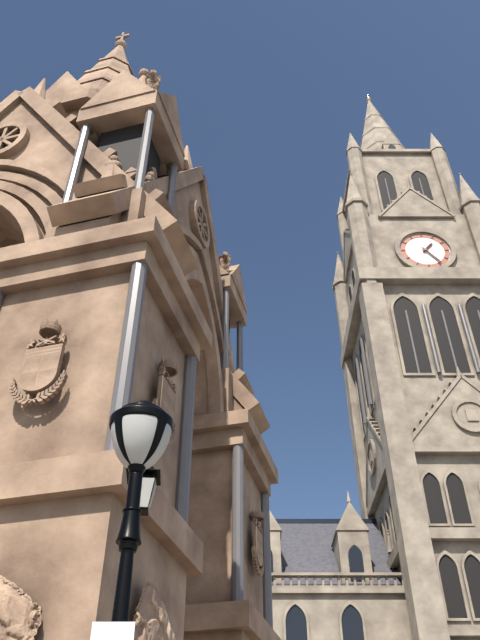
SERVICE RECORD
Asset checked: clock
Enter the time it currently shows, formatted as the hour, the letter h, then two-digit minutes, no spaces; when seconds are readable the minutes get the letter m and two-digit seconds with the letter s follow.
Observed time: 1h24
